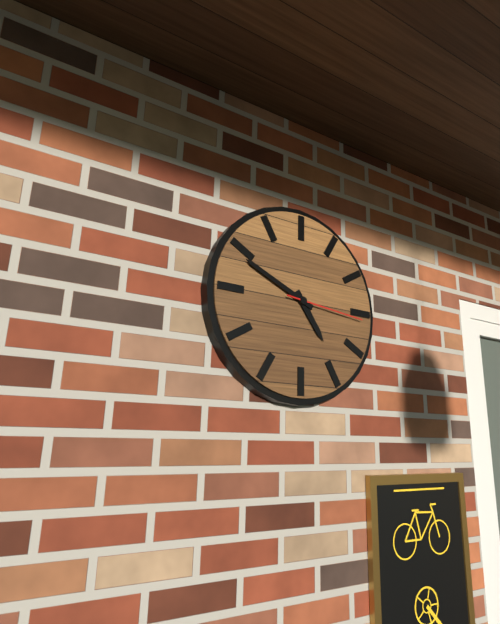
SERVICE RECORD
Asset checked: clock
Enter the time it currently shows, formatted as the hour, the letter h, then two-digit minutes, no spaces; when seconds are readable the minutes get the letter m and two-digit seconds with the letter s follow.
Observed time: 4h49m16s
